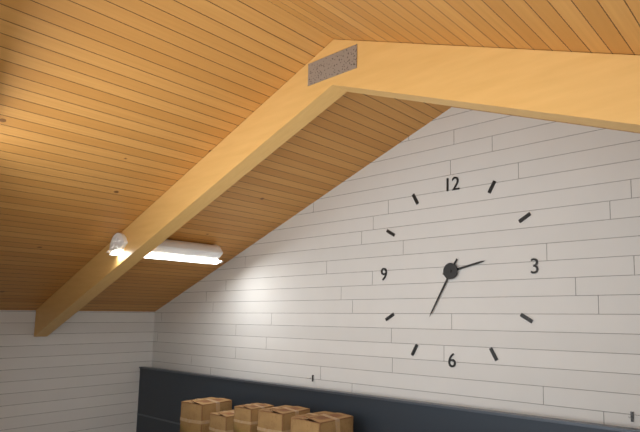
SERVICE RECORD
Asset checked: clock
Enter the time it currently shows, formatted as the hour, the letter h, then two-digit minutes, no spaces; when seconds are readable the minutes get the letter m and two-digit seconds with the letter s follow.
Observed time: 2h35
